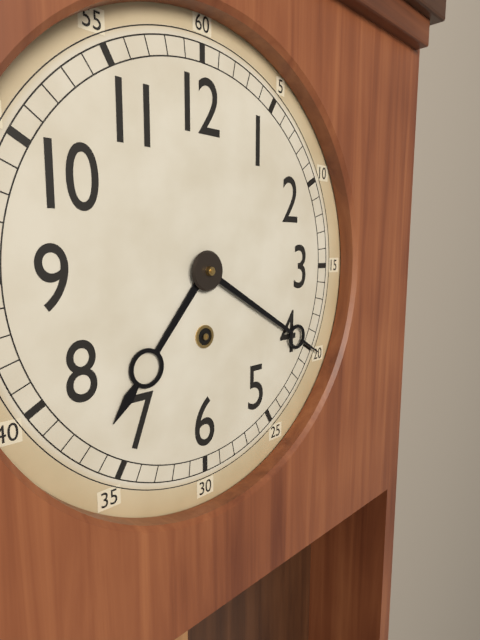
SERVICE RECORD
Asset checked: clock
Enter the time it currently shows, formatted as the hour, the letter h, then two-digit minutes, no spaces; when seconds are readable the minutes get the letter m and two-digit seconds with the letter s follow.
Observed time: 7h20
